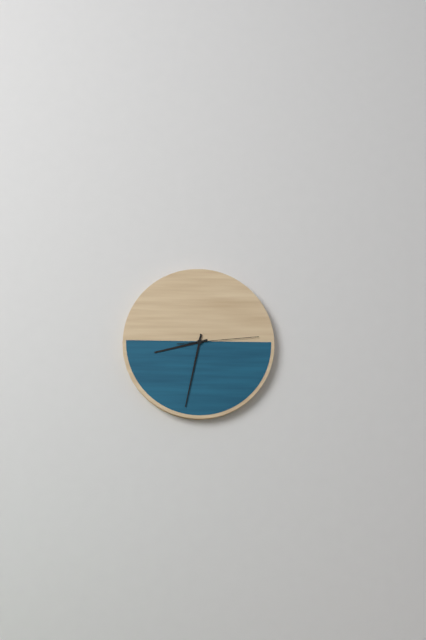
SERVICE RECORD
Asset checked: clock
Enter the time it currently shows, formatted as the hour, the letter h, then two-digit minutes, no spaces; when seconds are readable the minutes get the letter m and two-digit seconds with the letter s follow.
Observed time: 8h32m14s
